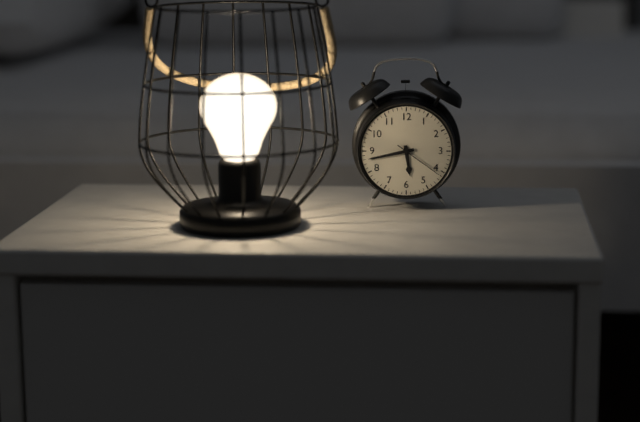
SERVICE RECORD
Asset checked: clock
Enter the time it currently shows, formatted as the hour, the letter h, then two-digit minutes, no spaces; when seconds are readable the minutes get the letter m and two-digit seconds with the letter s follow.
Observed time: 5h43m21s
